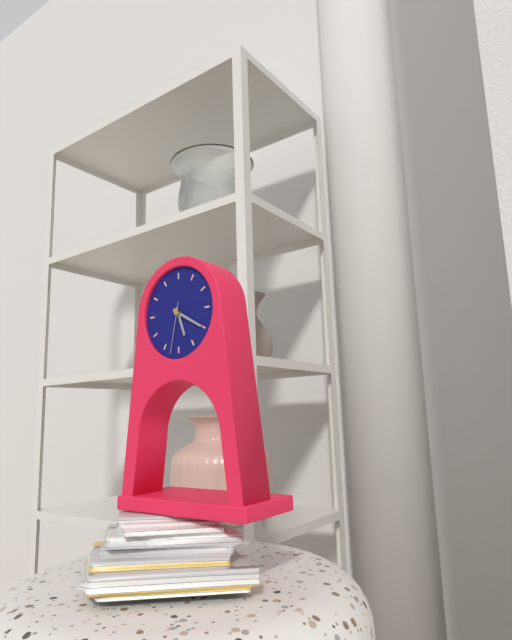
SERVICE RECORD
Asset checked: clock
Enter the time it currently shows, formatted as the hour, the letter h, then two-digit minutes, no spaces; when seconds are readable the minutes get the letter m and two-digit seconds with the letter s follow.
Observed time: 5h20m32s
